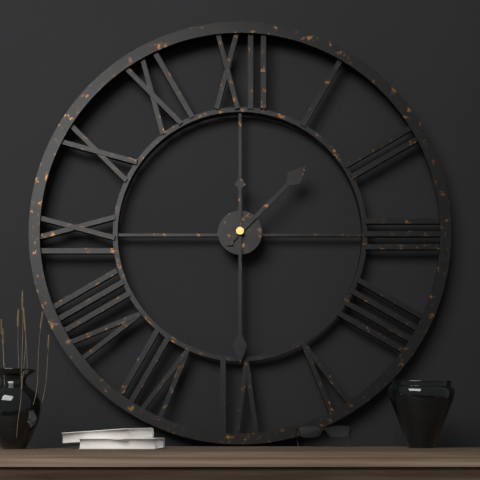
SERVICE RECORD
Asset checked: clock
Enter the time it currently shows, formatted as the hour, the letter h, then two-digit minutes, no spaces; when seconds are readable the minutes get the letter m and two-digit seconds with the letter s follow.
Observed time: 1h30
